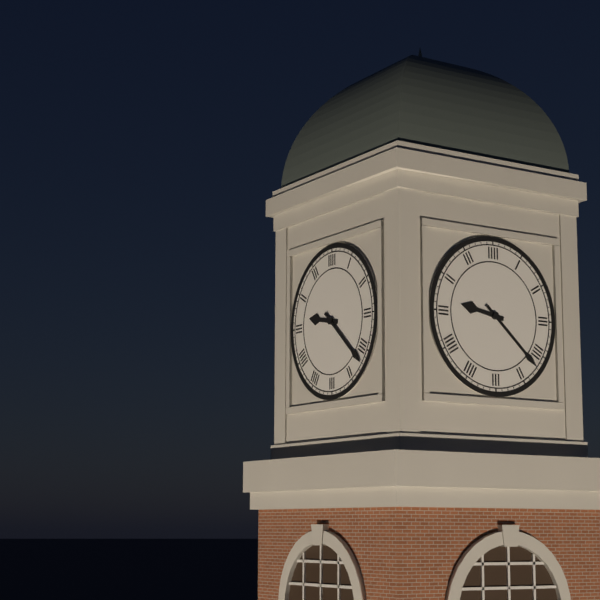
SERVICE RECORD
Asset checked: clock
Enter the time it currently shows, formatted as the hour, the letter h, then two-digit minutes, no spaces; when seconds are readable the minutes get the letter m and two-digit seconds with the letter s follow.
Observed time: 9h22
